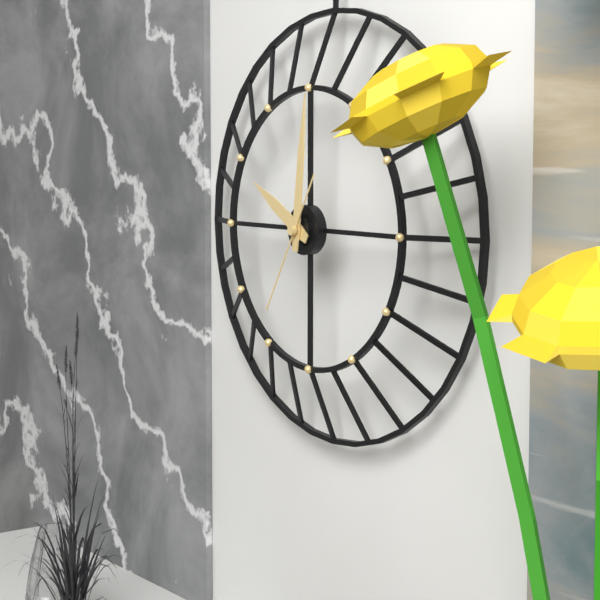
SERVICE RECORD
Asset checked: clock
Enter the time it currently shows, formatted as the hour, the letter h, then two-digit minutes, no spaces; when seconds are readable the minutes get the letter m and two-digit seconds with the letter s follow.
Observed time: 10h01m35s
